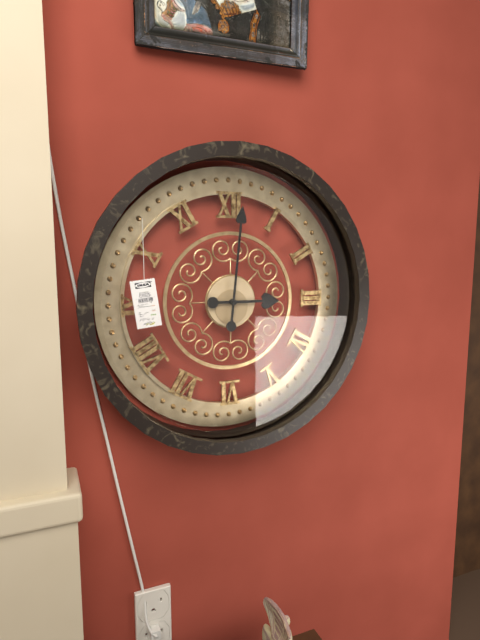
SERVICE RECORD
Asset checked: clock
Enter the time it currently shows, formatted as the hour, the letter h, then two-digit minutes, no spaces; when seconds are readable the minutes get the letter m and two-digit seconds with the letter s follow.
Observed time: 3h01
